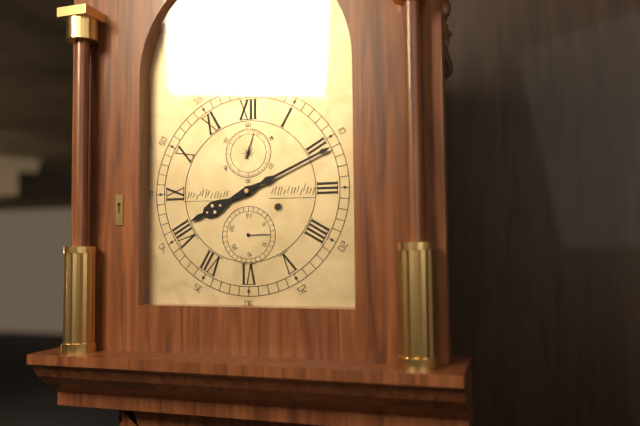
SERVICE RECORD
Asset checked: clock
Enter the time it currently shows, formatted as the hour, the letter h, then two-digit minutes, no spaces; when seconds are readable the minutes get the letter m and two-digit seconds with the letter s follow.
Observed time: 8h11
